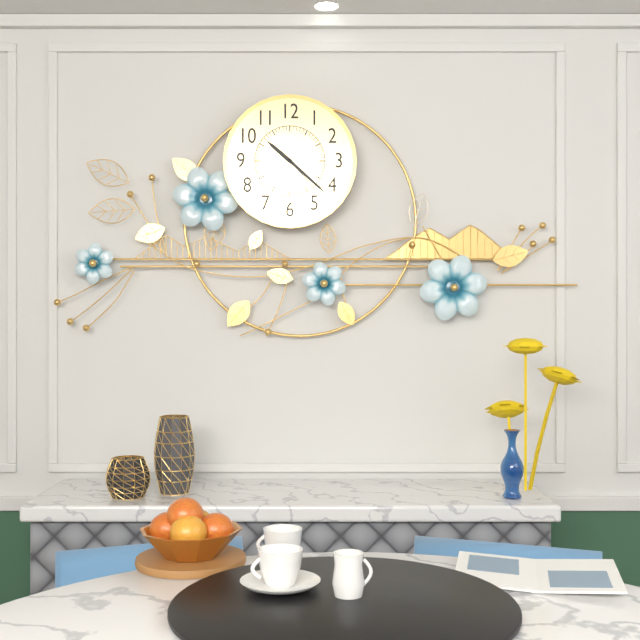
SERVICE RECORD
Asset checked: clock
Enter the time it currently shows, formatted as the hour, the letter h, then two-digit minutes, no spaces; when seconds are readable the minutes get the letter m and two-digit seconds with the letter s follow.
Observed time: 10h22m23s
